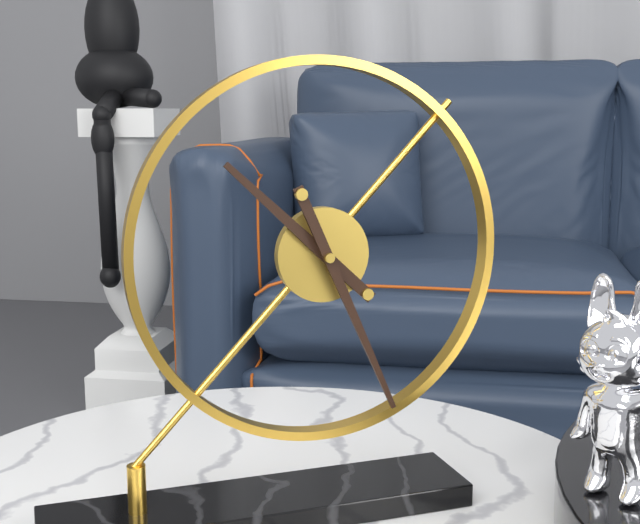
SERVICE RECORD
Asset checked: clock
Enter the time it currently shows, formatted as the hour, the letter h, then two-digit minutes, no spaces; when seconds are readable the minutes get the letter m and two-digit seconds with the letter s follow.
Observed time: 10h26
